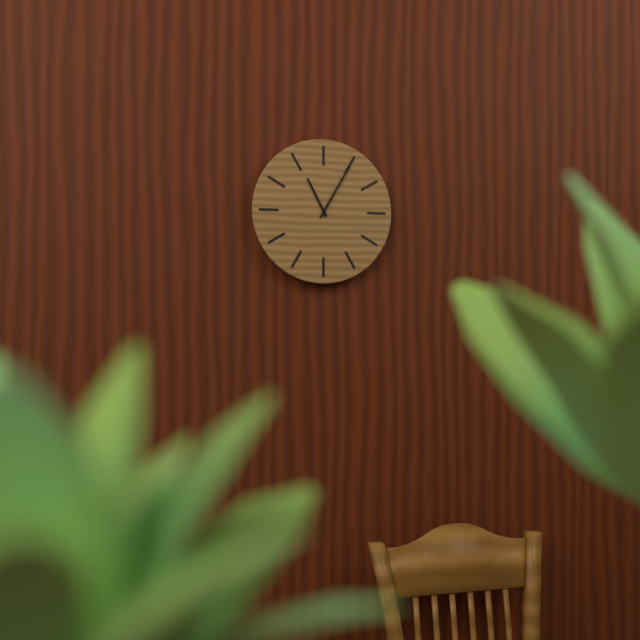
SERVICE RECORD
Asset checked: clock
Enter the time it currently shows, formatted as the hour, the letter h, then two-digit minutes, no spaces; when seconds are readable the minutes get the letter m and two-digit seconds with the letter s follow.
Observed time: 11h05
